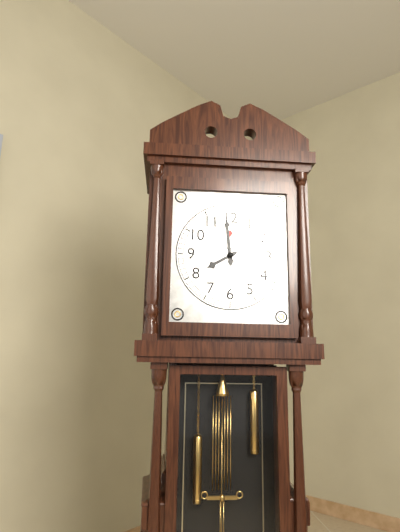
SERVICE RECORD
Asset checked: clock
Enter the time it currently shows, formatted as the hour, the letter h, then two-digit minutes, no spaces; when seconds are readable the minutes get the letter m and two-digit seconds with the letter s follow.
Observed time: 7h59m56s
